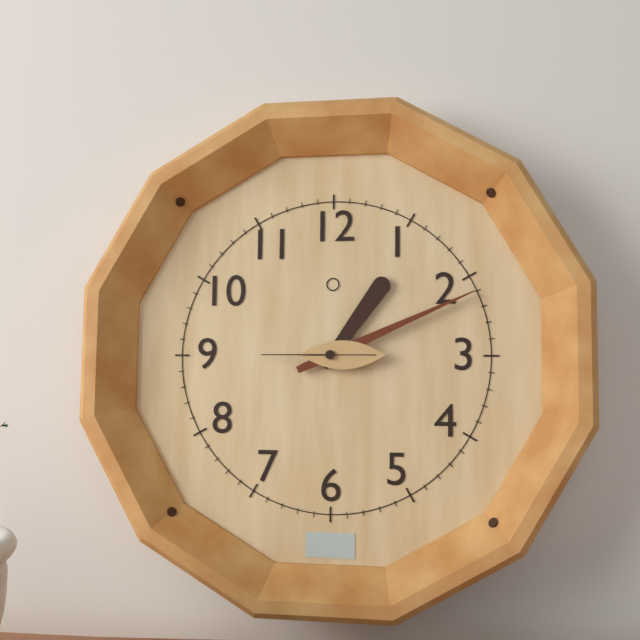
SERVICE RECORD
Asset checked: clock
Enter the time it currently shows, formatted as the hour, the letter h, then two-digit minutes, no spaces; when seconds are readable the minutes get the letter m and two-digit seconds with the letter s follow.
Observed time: 1h11m45s
